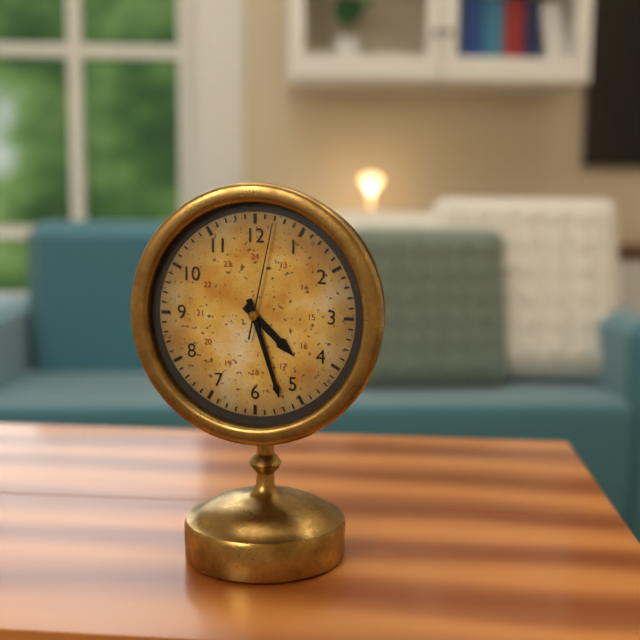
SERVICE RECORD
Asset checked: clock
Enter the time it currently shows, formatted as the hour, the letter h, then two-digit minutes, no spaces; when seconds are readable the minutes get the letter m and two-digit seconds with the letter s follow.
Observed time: 4h27m02s
